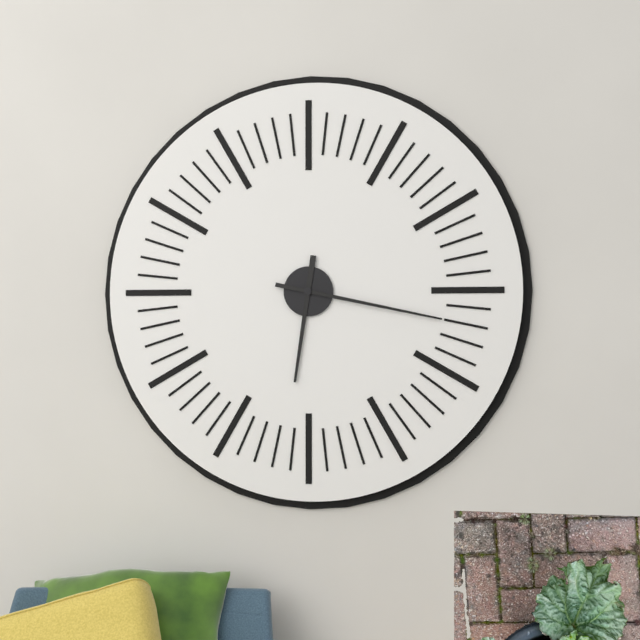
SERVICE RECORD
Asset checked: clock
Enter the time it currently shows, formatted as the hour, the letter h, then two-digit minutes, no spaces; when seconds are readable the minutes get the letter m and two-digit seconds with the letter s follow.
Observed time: 6h17
